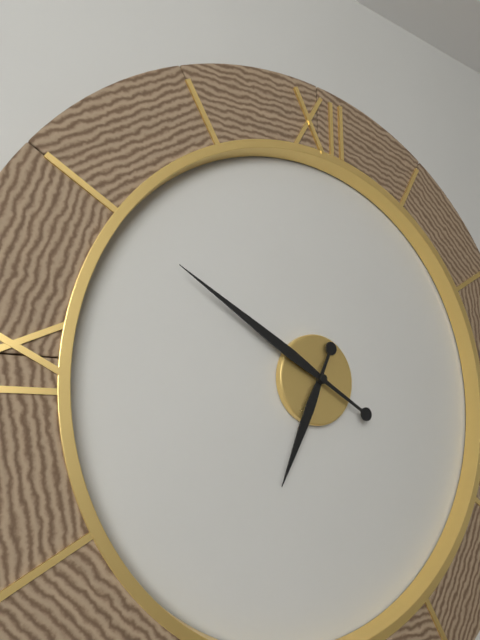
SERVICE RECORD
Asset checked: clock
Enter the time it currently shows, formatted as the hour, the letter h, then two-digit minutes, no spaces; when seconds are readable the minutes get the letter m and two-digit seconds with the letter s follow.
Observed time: 6h50
